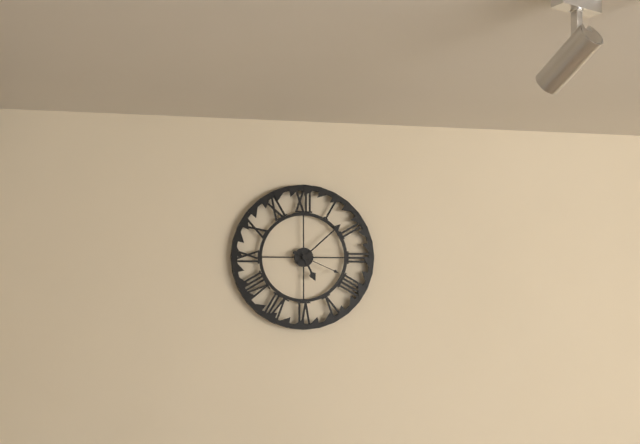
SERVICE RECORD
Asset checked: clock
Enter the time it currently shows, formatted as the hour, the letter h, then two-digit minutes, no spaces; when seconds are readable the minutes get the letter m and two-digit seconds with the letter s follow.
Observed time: 5h08
